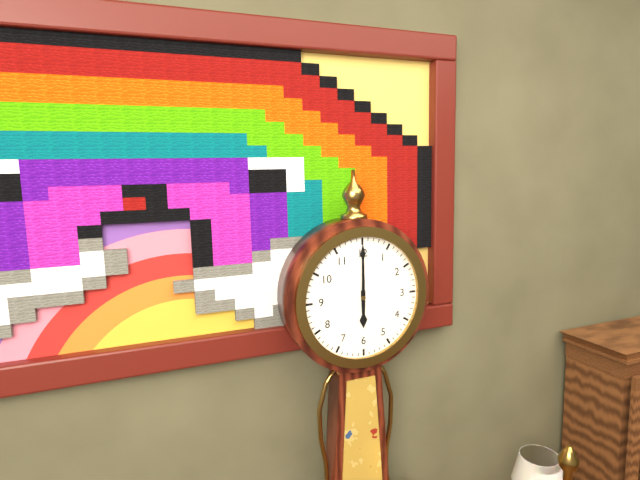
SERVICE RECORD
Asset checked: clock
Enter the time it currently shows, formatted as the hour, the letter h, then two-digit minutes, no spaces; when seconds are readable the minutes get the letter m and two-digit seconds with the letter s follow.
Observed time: 6h00
